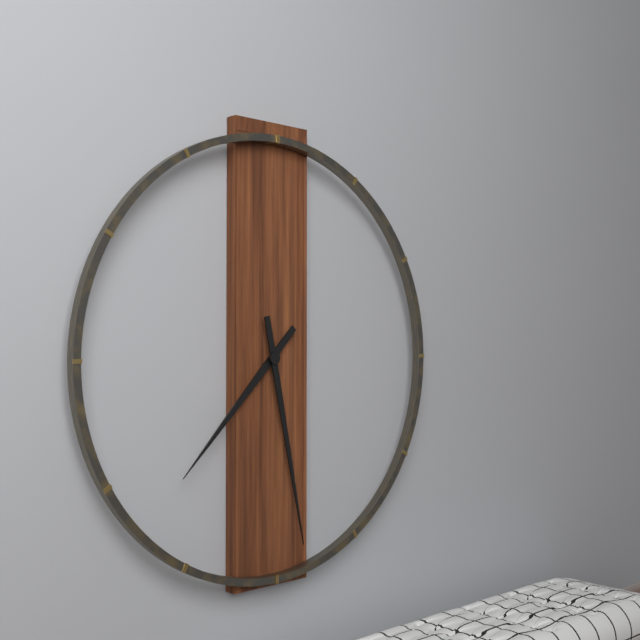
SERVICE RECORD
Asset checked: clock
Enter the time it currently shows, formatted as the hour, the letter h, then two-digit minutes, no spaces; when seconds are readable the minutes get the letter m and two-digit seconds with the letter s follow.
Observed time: 7h28
